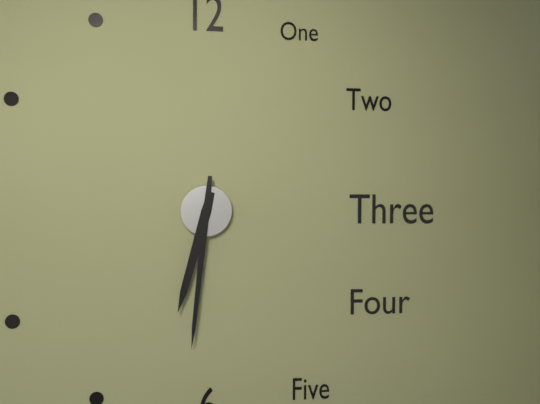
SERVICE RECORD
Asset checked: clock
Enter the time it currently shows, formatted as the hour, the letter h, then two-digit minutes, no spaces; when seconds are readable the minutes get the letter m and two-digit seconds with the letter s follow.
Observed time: 6h31
